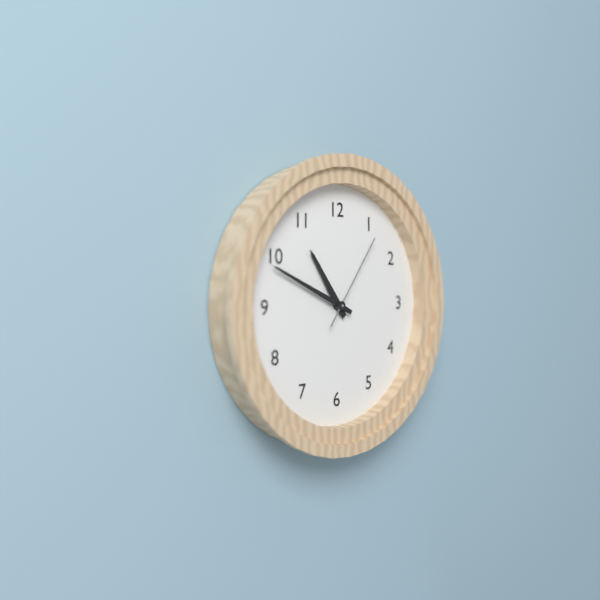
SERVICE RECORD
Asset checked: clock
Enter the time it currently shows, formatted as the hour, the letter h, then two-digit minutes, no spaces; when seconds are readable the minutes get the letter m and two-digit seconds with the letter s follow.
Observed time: 10h49m06s
